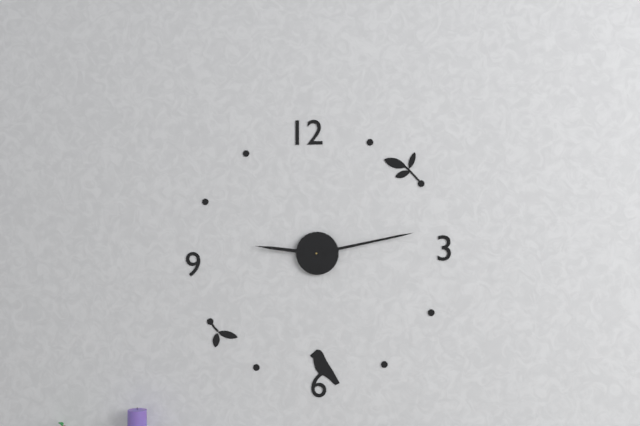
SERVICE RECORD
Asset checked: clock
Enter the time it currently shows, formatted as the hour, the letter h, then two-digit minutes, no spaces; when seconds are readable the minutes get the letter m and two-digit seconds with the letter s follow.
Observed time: 9h13
